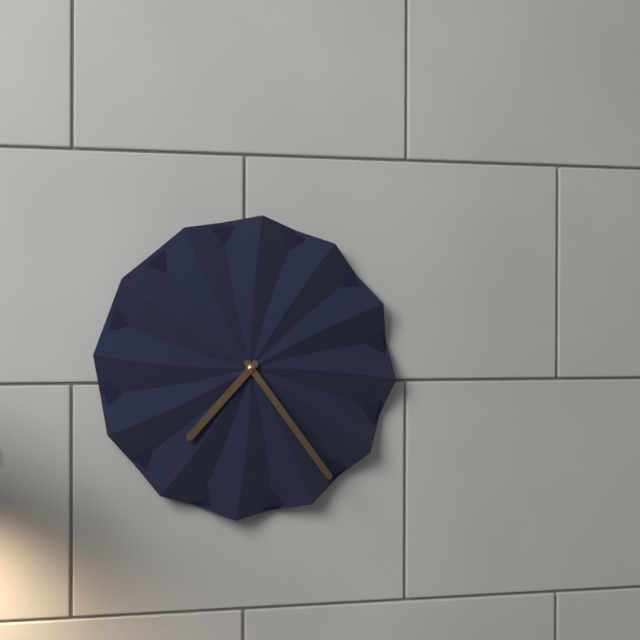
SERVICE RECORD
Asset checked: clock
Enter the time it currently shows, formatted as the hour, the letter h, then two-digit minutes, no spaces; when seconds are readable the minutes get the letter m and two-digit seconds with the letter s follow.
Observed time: 7h24
